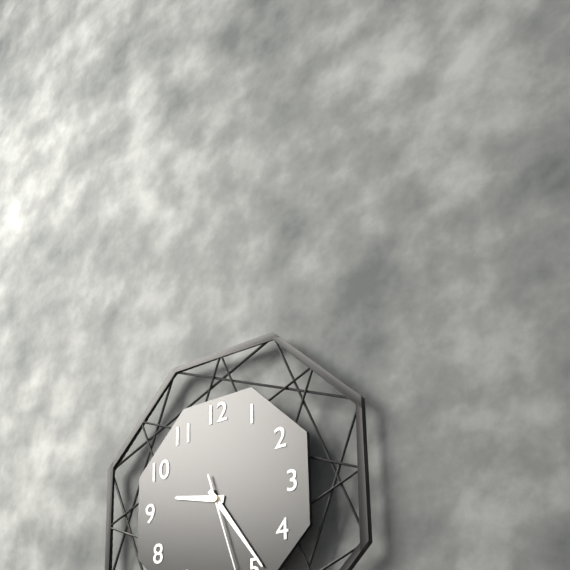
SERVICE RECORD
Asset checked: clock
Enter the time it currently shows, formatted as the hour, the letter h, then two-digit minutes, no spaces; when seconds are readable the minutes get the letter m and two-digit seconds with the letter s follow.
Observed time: 9h24
